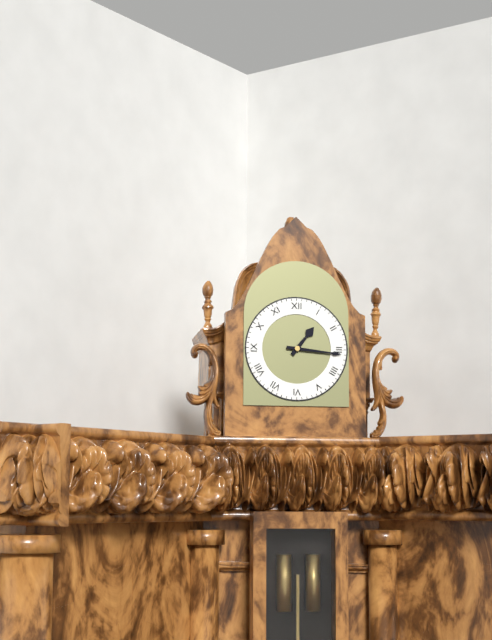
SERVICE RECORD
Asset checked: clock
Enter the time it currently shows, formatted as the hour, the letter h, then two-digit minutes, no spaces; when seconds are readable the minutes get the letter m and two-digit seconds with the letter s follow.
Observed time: 1h16
